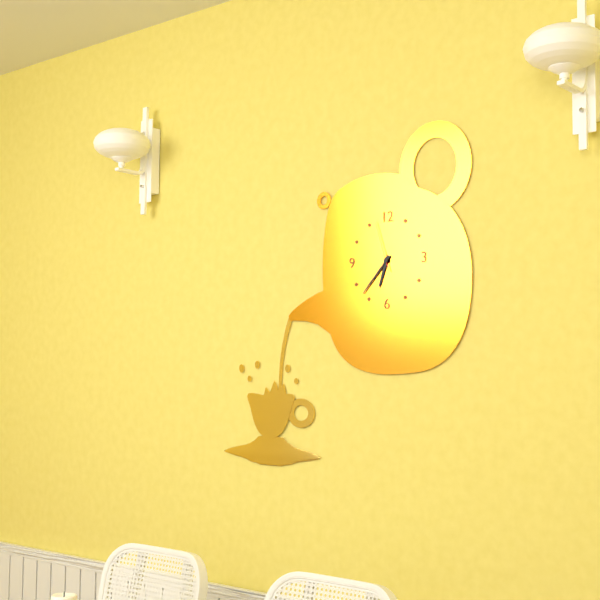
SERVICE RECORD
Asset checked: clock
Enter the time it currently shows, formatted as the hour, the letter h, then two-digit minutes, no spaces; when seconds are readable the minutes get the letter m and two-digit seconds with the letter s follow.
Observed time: 6h37m57s
